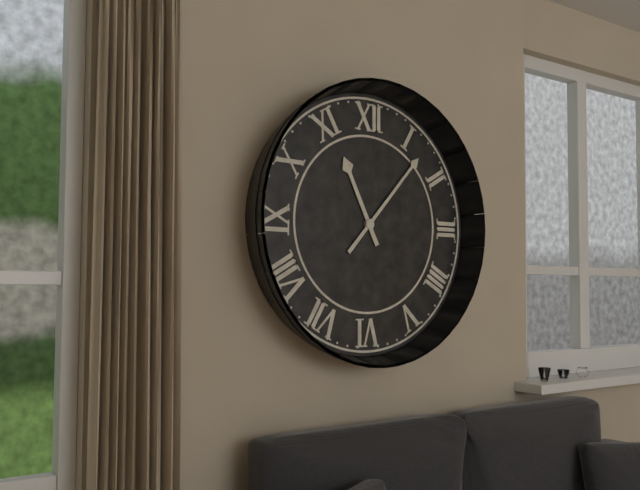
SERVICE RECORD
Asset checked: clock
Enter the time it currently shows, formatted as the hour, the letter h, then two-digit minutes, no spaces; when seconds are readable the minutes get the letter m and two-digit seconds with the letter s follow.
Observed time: 11h07
